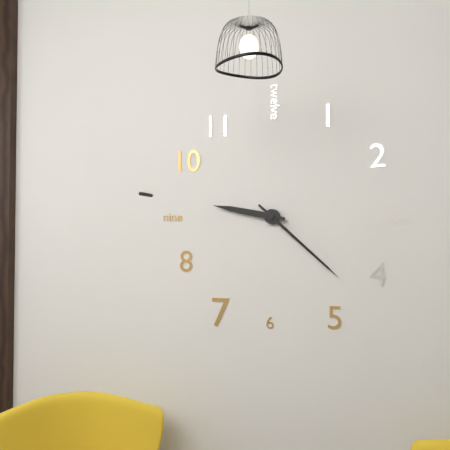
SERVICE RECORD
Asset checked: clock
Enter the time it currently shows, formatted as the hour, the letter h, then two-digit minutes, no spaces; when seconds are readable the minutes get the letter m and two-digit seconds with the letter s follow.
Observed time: 9h22
